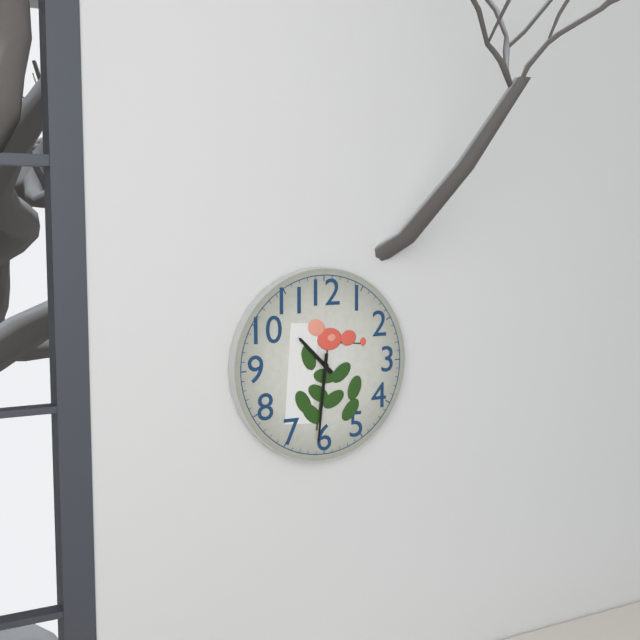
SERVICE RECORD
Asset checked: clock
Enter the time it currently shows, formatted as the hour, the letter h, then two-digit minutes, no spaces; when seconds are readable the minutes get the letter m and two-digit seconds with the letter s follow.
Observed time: 10h31
